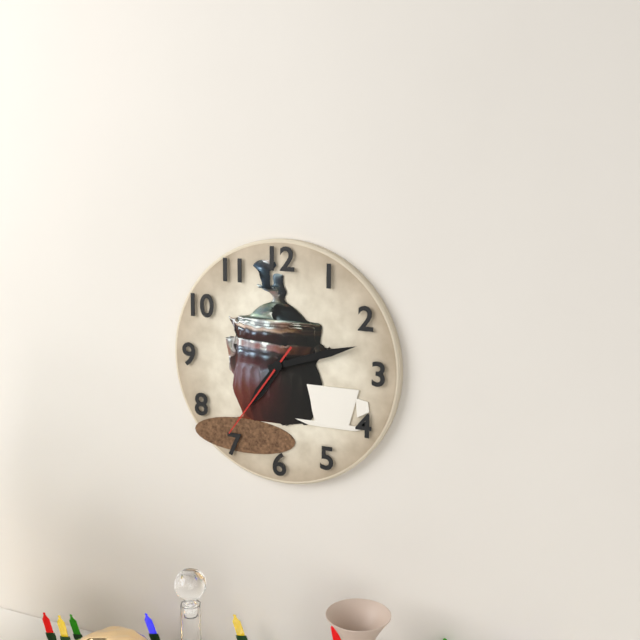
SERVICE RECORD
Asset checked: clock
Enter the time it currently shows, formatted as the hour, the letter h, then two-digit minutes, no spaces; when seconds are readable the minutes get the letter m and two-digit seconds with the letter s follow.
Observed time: 7h12m36s
